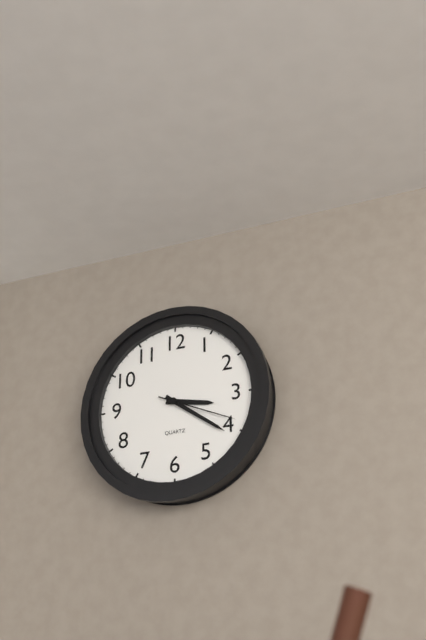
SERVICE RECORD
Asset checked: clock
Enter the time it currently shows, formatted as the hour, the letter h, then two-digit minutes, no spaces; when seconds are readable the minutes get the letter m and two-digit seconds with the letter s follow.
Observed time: 3h21m19s
